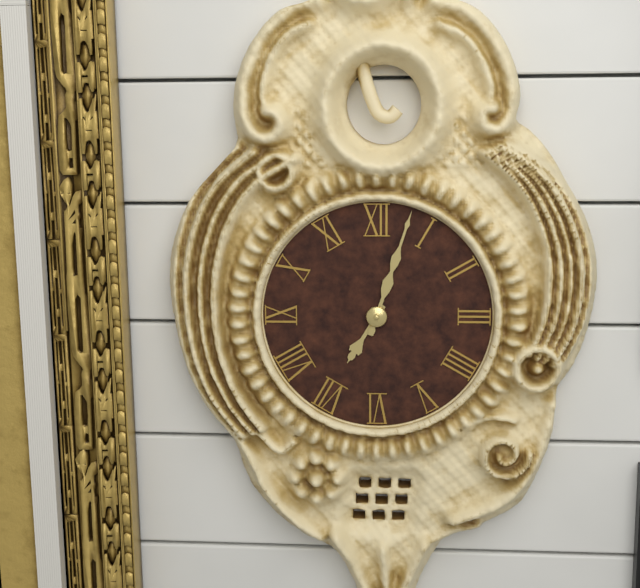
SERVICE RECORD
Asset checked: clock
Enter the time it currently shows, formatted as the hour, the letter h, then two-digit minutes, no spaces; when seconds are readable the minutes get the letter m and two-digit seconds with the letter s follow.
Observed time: 7h03
